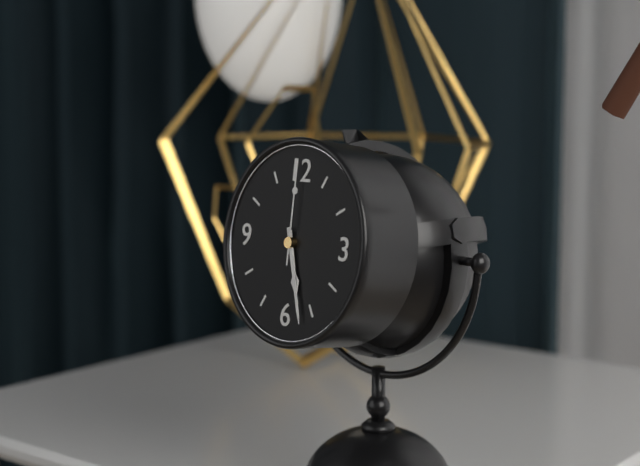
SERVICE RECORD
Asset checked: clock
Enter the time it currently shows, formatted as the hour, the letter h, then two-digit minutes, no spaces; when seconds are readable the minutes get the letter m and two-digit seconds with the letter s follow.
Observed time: 5h27m00s
